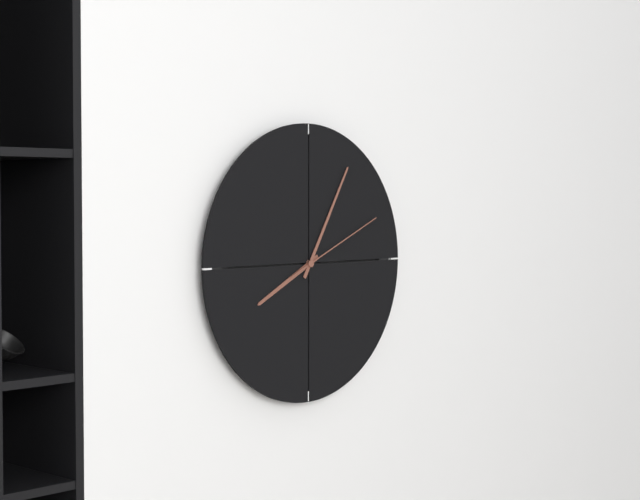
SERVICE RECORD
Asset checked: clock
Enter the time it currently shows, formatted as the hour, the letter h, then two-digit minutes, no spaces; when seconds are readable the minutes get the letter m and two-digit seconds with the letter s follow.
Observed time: 8h05m11s
